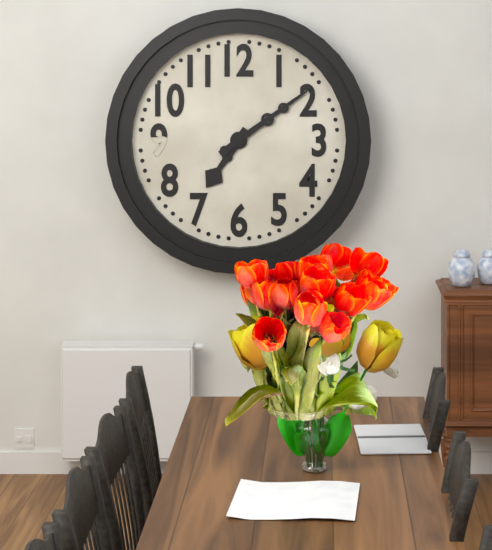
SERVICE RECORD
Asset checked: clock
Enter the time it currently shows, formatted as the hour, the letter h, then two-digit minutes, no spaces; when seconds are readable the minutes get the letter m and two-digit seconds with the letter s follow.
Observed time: 7h09
